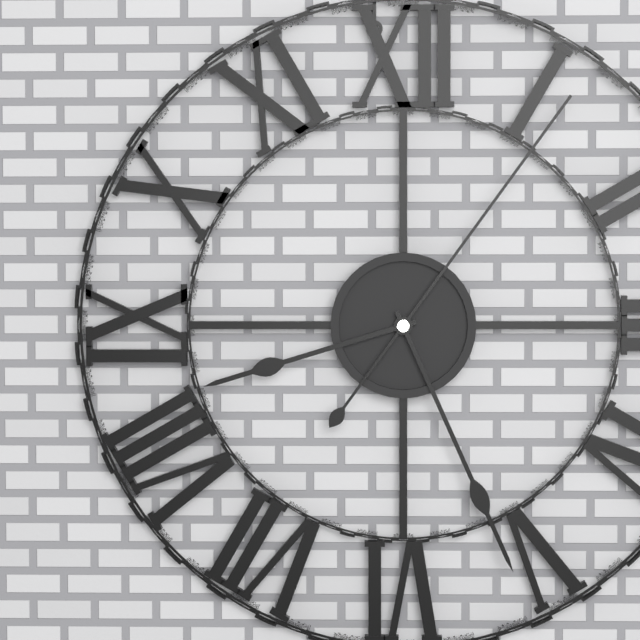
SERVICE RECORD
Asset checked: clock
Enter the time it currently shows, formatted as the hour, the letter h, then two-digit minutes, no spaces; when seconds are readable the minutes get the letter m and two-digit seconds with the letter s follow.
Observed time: 8h26m06s
